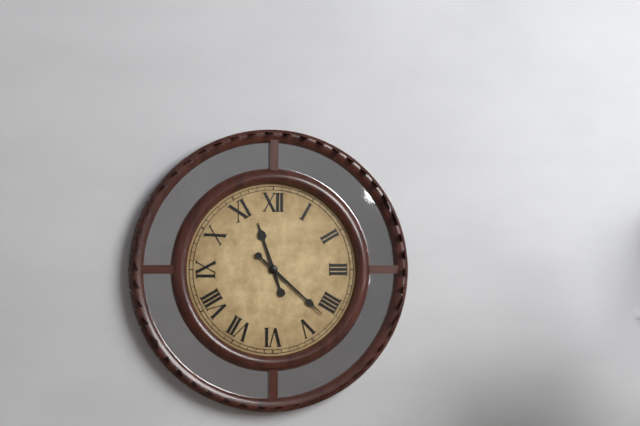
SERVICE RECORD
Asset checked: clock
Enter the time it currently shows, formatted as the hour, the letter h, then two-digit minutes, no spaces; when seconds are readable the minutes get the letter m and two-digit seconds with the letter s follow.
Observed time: 11h22
